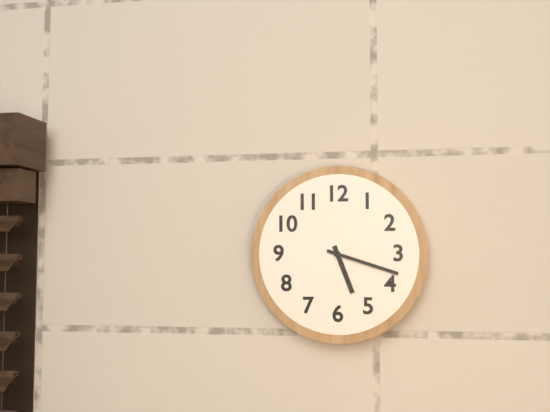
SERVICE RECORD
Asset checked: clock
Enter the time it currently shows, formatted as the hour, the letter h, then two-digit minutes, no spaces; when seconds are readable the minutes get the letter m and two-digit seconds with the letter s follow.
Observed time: 5h18
